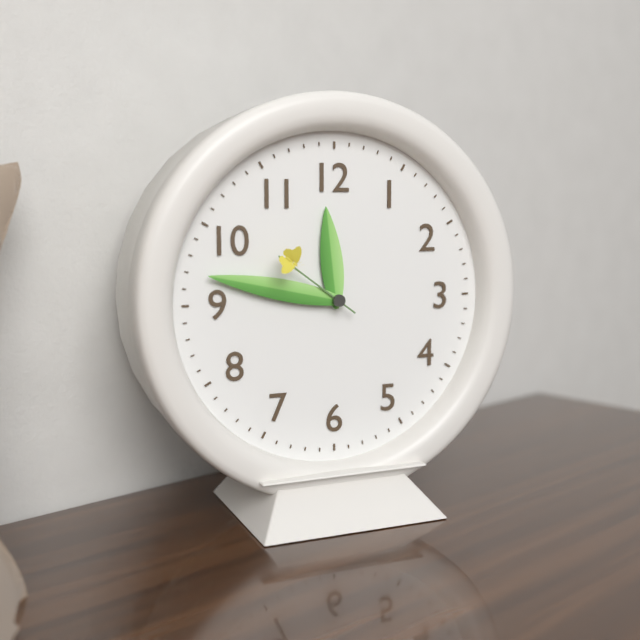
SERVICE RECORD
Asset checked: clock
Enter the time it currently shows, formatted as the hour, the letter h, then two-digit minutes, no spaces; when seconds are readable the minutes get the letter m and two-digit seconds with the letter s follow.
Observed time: 11h47m51s
